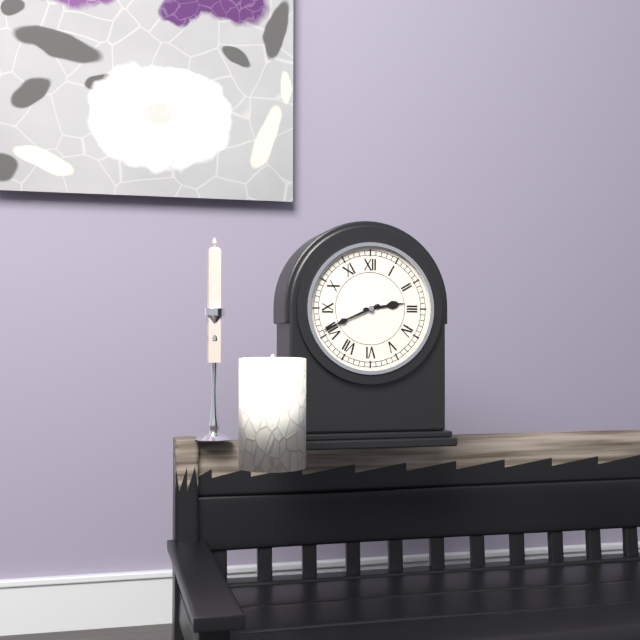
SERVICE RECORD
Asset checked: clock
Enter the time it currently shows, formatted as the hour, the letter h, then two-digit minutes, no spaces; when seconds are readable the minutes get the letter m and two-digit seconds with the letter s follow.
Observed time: 2h41
